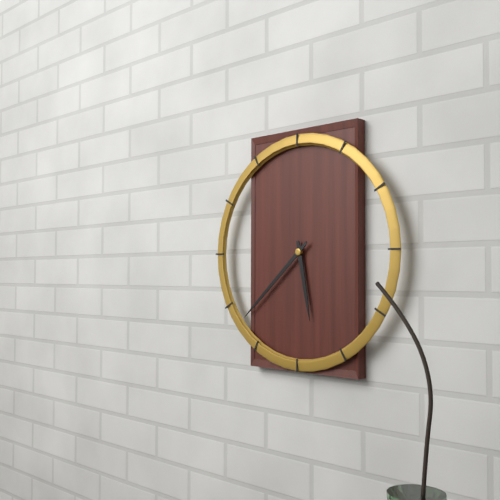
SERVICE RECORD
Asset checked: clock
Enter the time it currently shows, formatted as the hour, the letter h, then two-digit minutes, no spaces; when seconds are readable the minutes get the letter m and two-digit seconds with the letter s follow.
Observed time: 5h38
